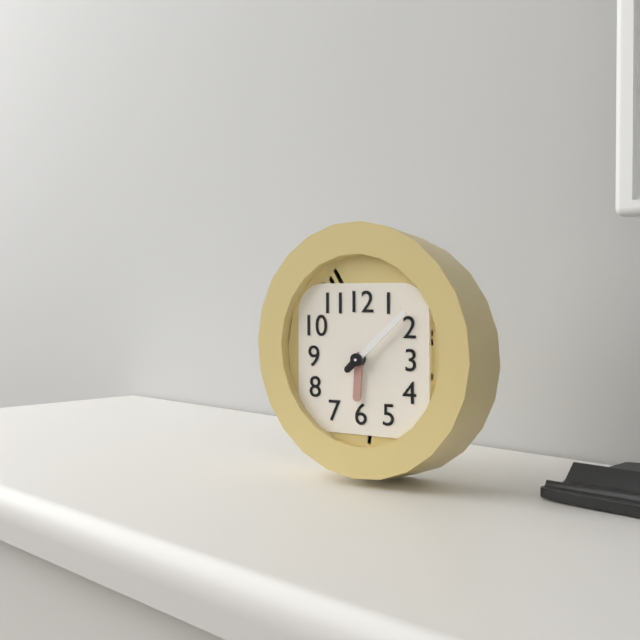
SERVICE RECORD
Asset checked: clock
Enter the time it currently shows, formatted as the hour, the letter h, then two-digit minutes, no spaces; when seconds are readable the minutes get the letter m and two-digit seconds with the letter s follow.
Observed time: 6h08
